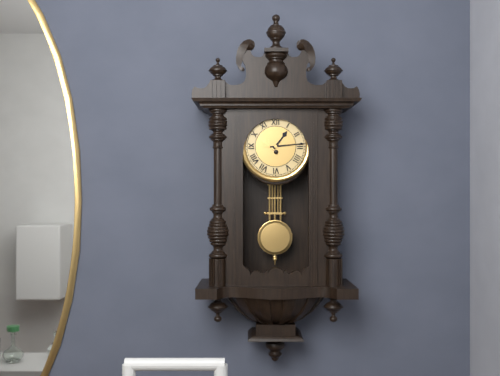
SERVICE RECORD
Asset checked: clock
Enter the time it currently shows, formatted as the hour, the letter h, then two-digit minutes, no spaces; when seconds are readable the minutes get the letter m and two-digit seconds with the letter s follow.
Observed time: 1h14
